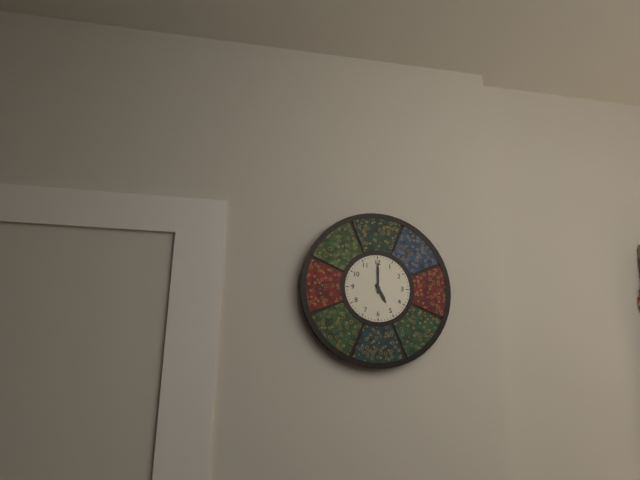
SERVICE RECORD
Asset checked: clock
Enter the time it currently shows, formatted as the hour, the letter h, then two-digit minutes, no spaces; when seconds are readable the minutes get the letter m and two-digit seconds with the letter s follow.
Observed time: 5h00
